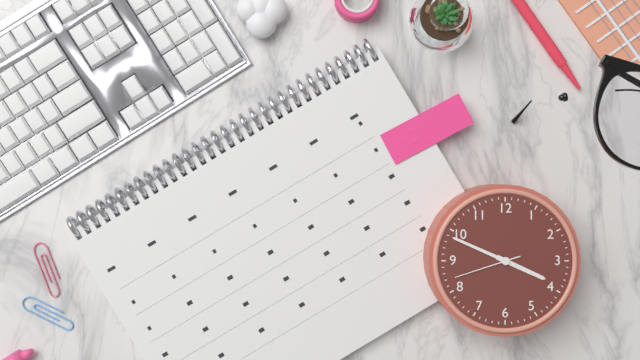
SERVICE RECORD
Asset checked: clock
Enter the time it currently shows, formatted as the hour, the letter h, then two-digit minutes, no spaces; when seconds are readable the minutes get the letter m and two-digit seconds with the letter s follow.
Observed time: 3h49m42s
